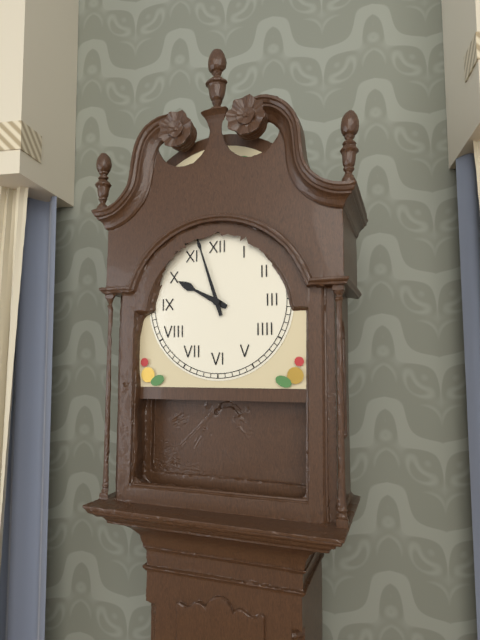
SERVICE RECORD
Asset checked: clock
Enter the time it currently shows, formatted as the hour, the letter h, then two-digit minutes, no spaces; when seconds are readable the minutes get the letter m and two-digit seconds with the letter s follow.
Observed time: 9h57
